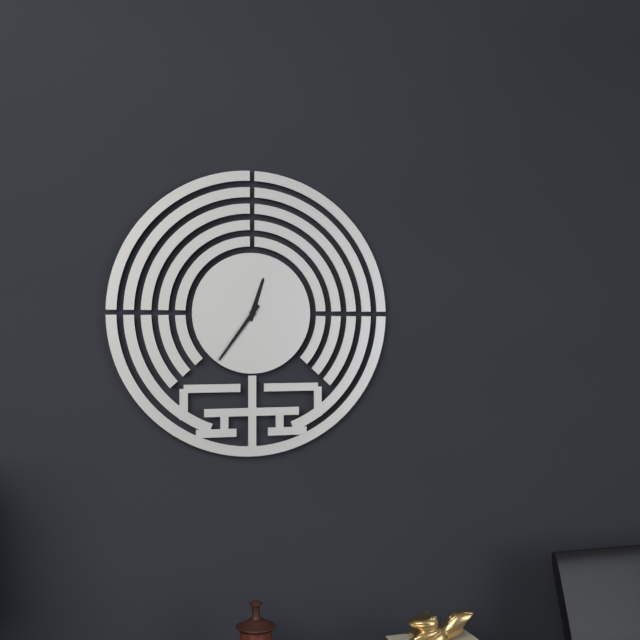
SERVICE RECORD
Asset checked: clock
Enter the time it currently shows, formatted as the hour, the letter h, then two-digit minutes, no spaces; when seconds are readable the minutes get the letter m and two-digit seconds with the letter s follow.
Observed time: 12h36
